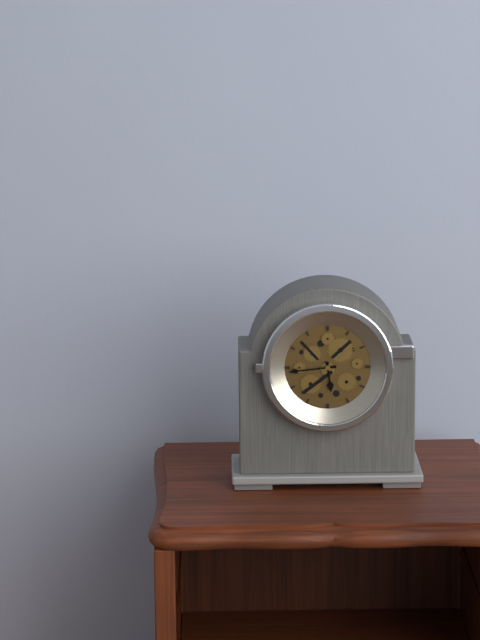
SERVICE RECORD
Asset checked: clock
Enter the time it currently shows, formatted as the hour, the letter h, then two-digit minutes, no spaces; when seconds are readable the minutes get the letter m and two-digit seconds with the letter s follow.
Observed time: 5h44
